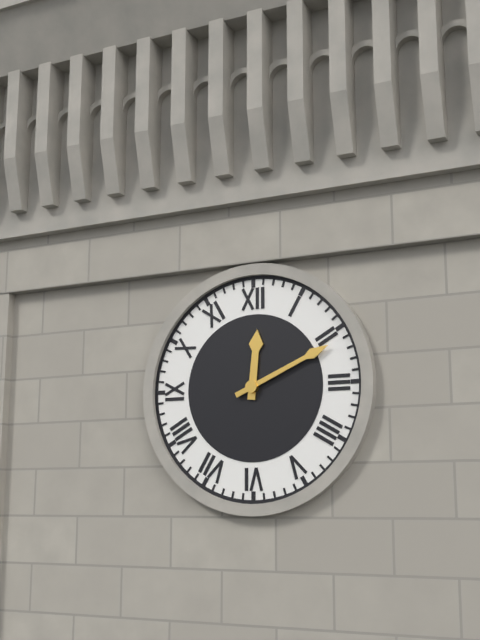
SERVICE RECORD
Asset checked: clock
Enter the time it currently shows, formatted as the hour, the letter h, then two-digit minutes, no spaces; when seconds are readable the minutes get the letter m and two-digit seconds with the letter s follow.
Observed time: 12h11
